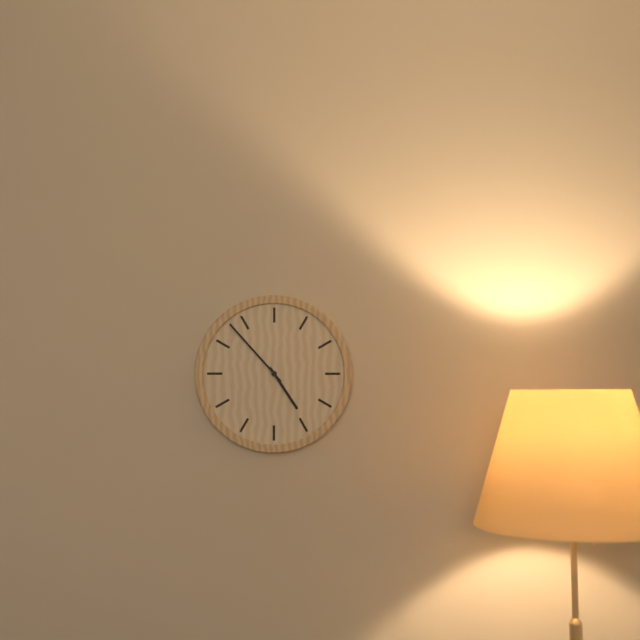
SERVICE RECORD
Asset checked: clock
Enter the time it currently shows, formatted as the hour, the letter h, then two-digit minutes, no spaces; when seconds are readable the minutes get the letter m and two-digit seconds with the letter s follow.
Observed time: 4h53
